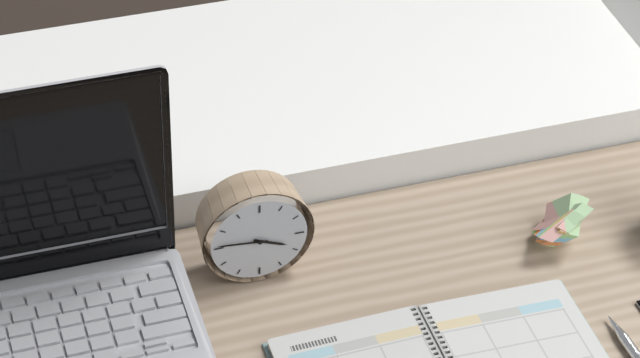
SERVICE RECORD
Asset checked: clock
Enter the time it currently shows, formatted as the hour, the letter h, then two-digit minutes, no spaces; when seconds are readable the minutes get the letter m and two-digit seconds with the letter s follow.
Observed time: 3h46
